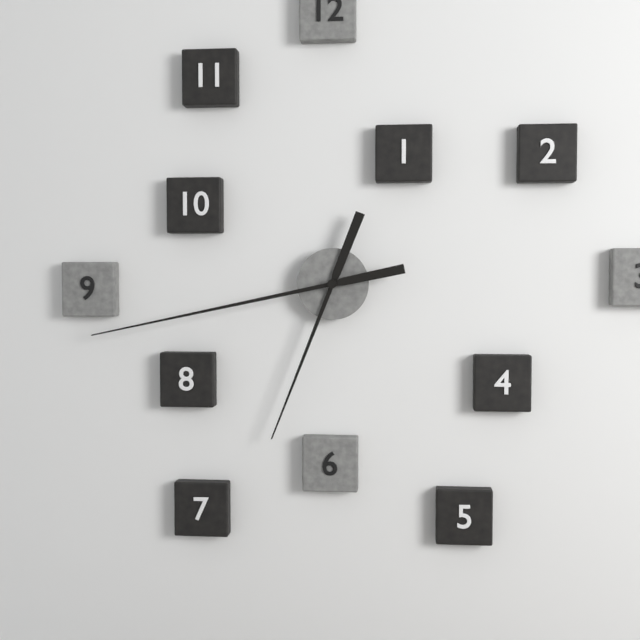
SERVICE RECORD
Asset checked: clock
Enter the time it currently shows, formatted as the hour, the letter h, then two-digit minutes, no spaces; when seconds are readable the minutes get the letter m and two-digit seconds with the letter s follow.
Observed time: 6h43
